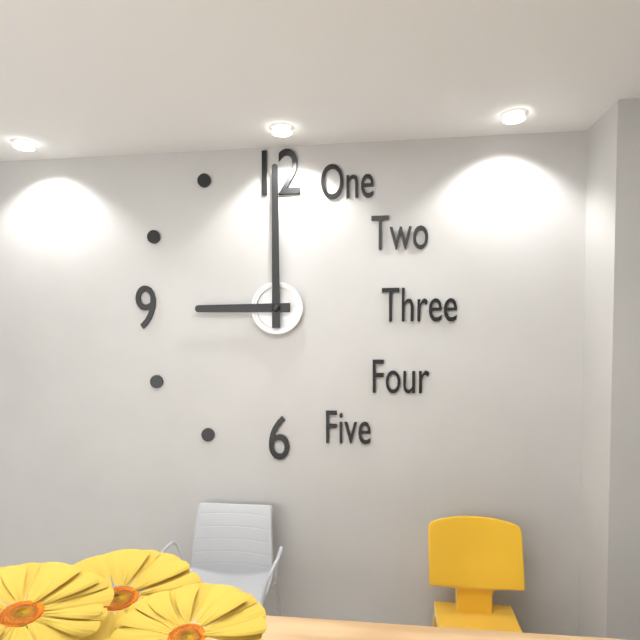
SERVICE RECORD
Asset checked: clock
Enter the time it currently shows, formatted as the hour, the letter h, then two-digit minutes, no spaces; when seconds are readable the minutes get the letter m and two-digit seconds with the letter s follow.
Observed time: 9h00
